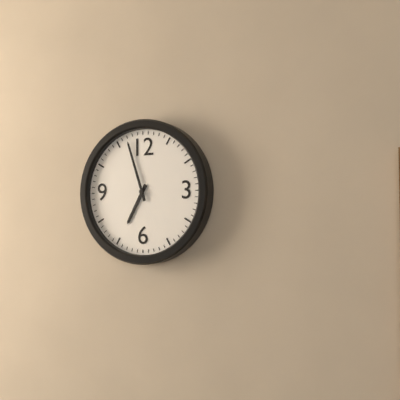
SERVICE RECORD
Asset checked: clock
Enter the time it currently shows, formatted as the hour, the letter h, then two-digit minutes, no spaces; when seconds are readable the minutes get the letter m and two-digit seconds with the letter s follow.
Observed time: 6h57
